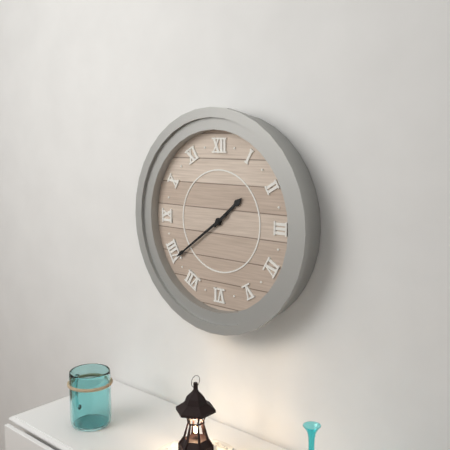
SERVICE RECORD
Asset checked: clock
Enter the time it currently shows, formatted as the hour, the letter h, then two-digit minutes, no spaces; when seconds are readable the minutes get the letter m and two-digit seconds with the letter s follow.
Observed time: 1h39
